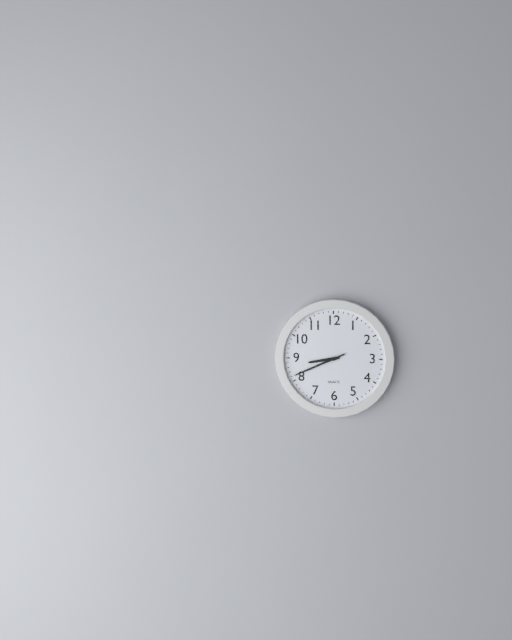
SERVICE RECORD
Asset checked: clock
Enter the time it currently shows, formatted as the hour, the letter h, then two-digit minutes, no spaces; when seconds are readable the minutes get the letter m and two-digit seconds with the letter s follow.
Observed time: 8h41
